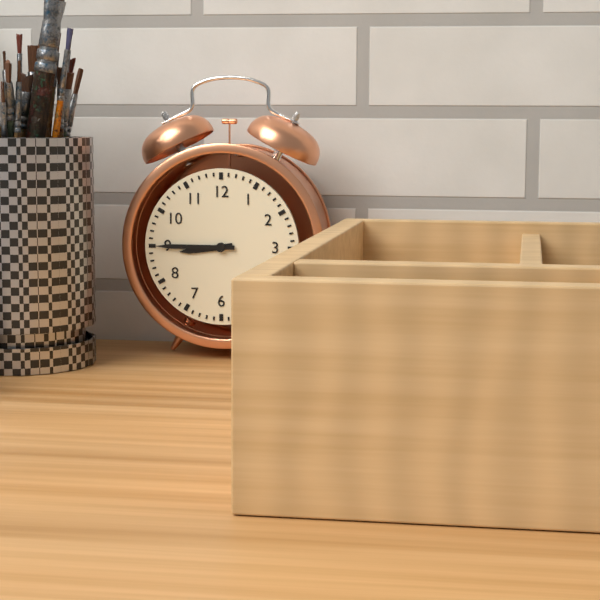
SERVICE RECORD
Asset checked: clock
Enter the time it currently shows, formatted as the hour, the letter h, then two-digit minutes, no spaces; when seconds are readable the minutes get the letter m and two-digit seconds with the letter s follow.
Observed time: 8h45
